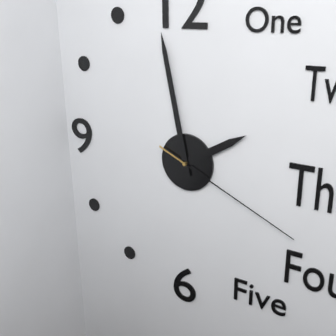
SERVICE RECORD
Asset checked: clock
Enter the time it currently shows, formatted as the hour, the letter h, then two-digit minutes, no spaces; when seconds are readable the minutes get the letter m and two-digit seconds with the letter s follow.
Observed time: 1h58m19s
